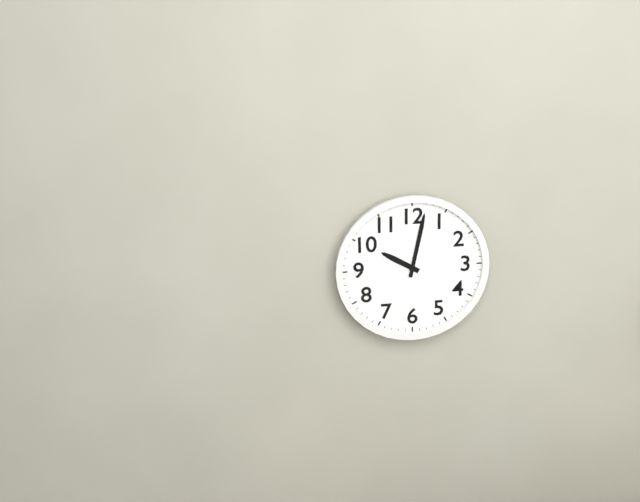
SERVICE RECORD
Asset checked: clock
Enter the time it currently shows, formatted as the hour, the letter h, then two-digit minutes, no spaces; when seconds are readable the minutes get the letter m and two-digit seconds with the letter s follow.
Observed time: 10h02
